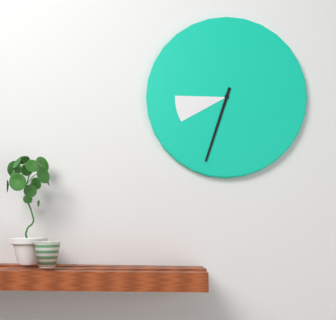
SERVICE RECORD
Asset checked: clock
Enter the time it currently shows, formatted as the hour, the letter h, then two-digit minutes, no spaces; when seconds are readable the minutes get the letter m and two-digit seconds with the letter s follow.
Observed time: 8h33
